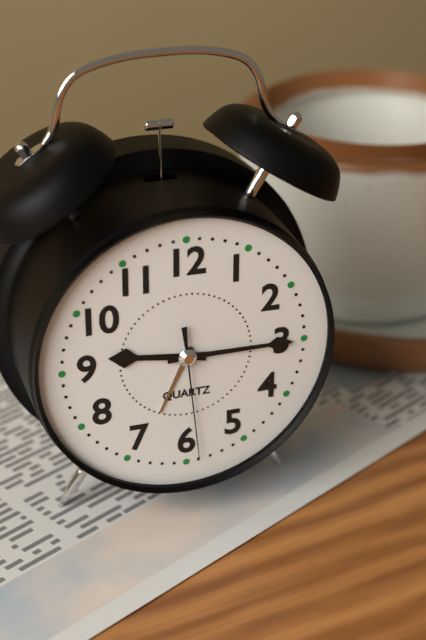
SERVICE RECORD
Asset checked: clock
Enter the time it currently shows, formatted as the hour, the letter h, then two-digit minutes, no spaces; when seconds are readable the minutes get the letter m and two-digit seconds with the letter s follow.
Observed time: 9h15m29s
